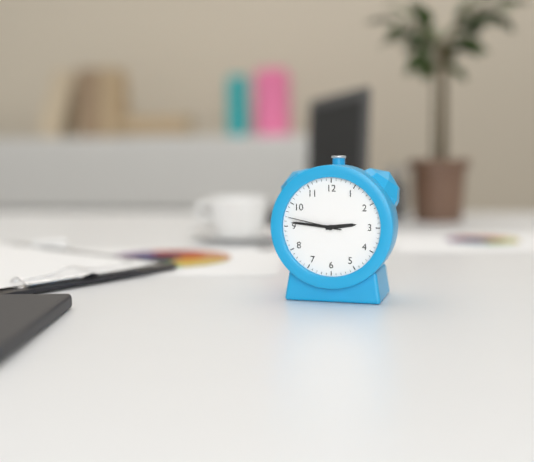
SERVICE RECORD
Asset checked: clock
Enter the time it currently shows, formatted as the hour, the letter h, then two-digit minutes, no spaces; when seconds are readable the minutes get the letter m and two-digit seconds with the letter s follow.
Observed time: 2h46m47s
